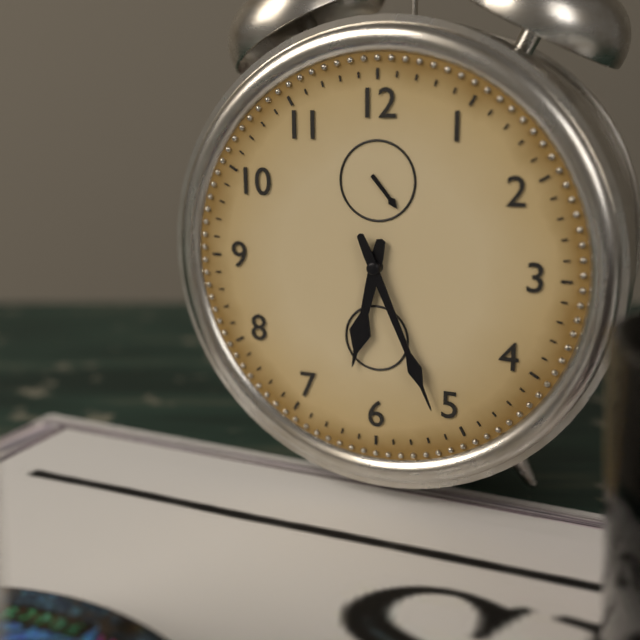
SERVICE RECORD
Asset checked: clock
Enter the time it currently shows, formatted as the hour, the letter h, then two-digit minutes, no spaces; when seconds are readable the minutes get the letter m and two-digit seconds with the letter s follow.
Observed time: 6h26
